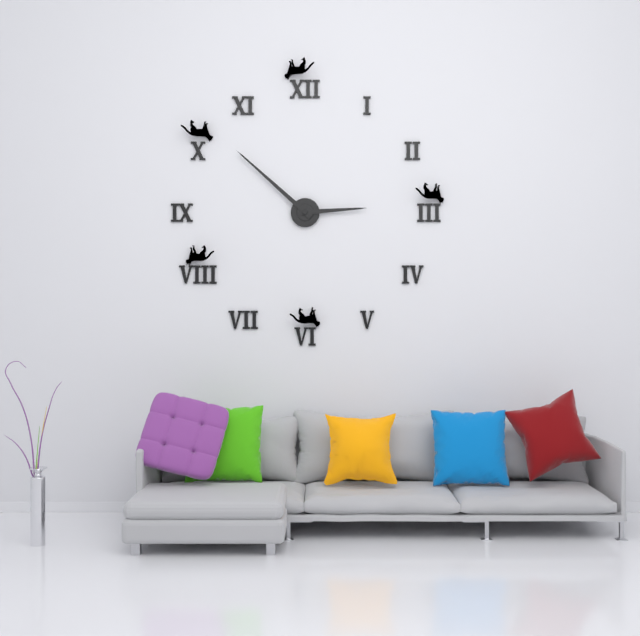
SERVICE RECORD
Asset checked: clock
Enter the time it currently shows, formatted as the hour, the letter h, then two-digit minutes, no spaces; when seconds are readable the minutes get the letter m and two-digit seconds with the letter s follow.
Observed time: 2h52
